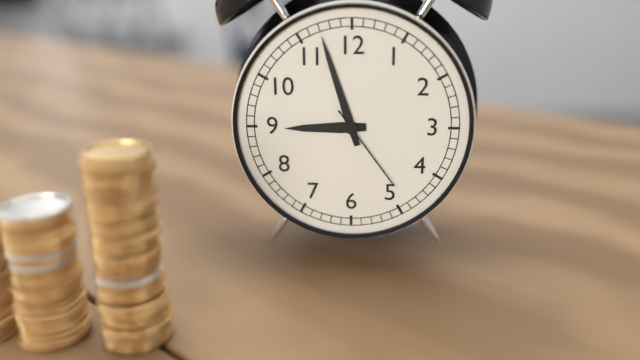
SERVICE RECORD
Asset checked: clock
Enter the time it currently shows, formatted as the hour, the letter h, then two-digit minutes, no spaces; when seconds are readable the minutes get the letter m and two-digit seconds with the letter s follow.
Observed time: 8h57m24s
